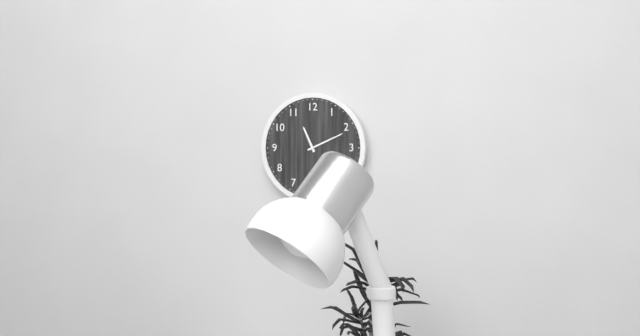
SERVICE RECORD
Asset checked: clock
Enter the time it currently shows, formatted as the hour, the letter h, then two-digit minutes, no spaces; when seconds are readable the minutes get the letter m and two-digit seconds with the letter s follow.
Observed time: 11h11
